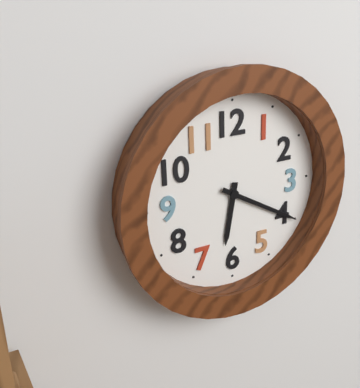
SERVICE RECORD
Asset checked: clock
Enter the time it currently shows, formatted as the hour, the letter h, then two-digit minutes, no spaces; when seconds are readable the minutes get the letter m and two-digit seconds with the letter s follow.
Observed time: 6h20
